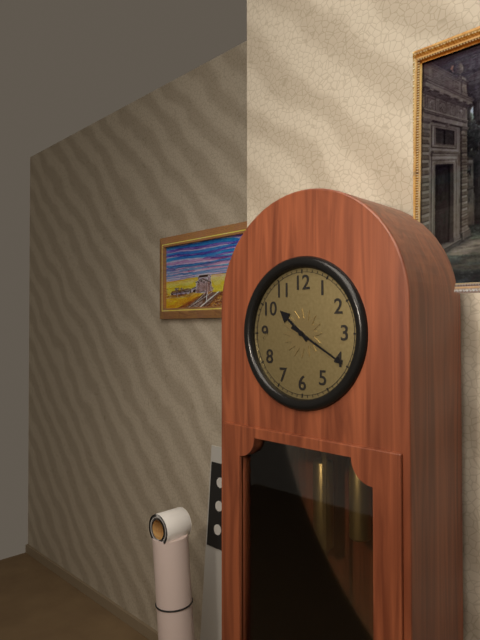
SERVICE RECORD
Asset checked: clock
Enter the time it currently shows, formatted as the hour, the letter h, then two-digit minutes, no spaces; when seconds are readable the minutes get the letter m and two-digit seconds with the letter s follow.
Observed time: 10h20
